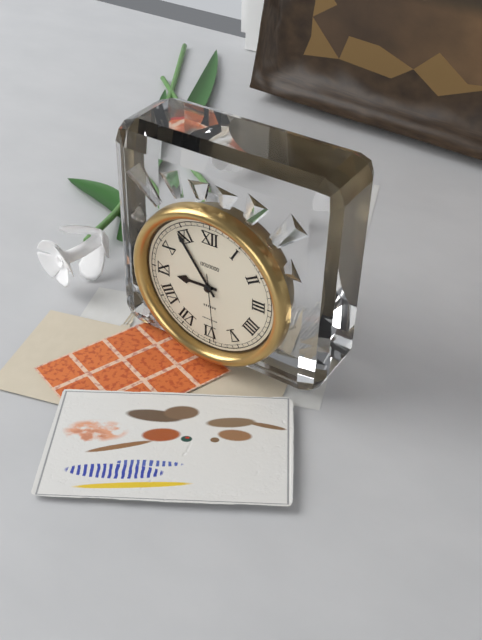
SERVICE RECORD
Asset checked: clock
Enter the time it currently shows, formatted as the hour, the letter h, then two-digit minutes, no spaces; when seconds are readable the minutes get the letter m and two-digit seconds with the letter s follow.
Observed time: 8h54m29s
